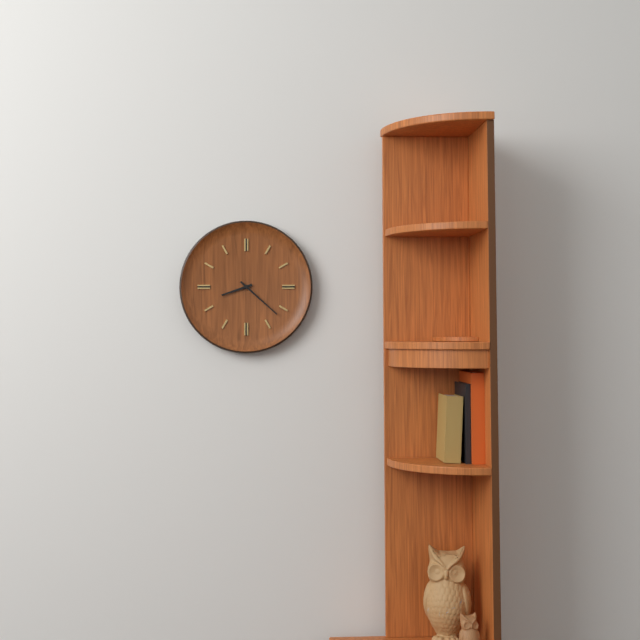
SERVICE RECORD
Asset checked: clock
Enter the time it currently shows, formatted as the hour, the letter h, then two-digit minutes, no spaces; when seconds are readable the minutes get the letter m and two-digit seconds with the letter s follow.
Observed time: 8h22
